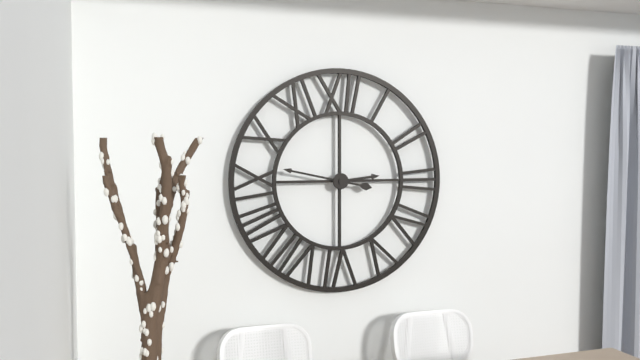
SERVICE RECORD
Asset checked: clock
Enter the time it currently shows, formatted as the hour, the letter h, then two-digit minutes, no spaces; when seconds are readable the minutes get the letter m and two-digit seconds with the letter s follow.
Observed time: 2h47
